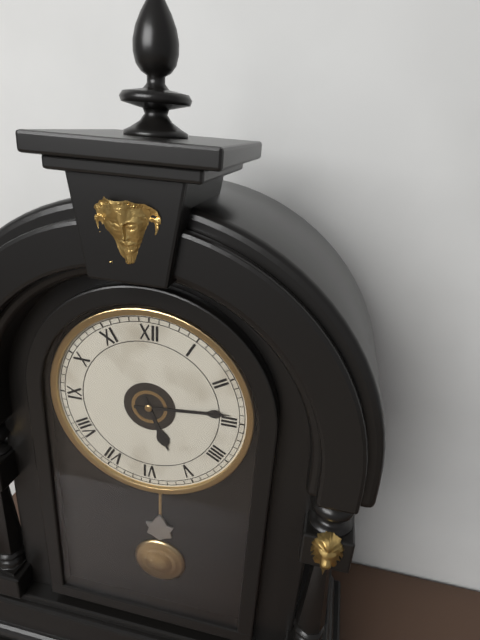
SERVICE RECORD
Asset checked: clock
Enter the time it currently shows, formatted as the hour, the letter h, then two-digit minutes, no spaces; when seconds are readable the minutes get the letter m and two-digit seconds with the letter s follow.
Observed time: 5h14
